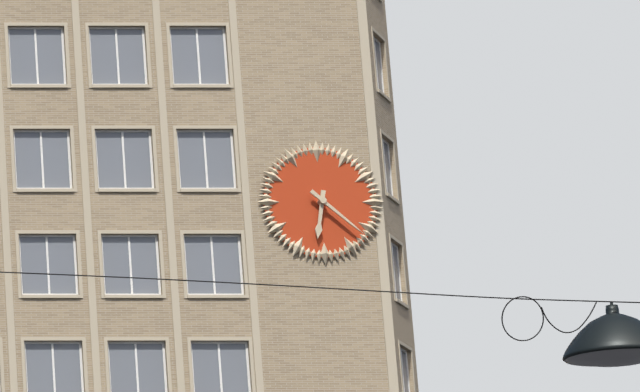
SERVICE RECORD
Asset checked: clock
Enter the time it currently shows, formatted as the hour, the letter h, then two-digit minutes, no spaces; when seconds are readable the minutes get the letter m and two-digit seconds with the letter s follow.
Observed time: 6h22
